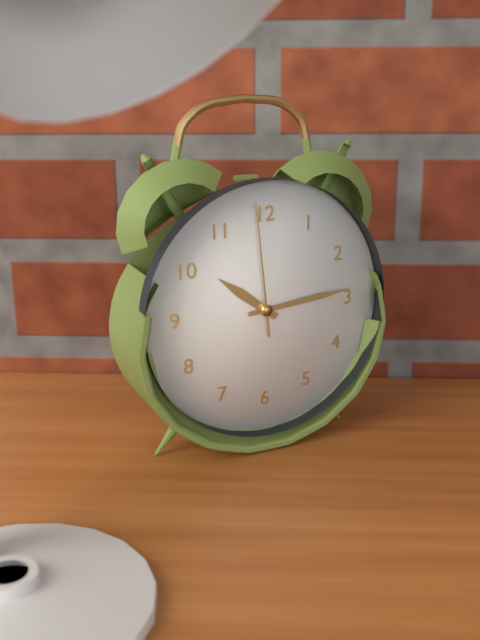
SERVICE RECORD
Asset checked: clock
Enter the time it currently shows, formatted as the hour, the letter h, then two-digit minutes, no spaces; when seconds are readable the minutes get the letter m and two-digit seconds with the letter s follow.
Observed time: 10h14m59s
